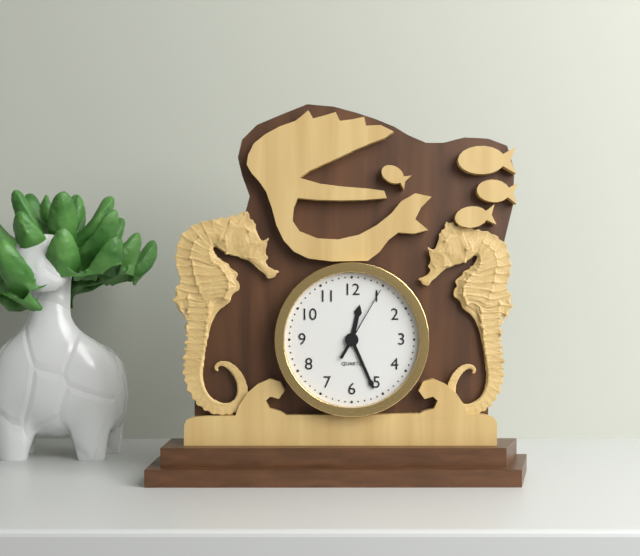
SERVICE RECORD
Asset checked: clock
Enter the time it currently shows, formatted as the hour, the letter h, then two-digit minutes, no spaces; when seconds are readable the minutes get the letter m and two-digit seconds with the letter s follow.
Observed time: 12h26m05s
